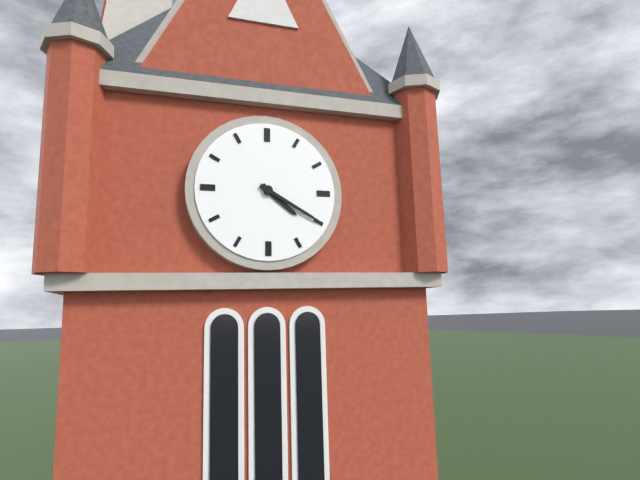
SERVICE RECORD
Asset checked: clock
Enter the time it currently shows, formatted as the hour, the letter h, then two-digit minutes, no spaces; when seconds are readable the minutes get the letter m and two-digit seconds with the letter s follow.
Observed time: 4h20
